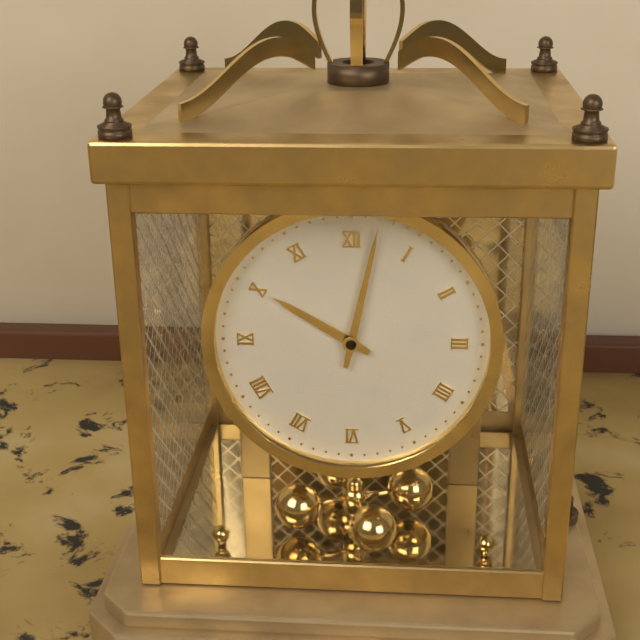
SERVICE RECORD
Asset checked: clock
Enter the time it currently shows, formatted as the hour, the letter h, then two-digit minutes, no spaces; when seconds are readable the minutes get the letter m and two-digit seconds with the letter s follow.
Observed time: 10h02
